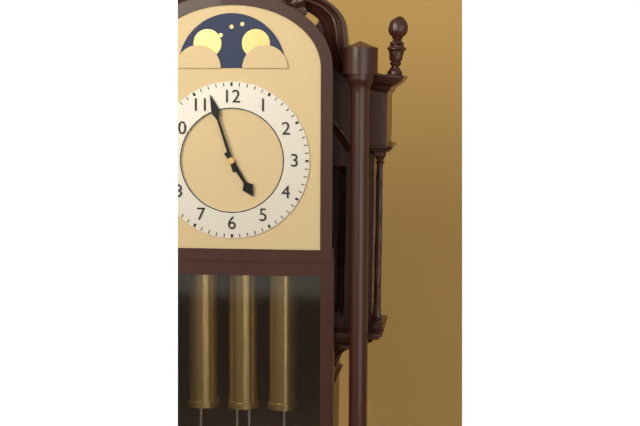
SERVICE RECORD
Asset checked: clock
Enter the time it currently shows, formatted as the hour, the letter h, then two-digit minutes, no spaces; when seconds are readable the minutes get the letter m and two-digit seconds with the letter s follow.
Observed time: 4h57
